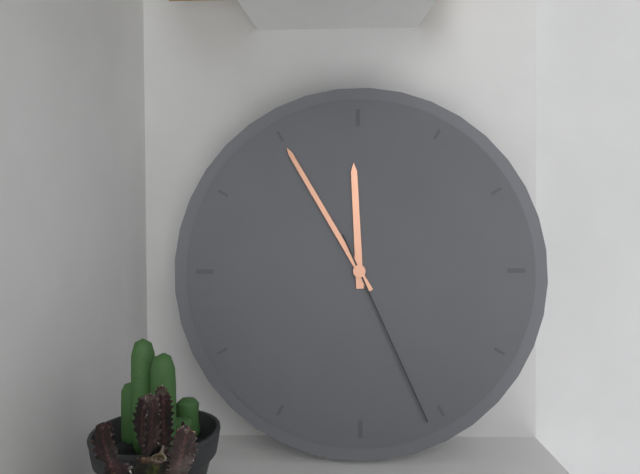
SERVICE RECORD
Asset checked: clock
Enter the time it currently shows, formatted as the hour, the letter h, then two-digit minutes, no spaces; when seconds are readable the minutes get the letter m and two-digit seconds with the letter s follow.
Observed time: 11h55m26s
